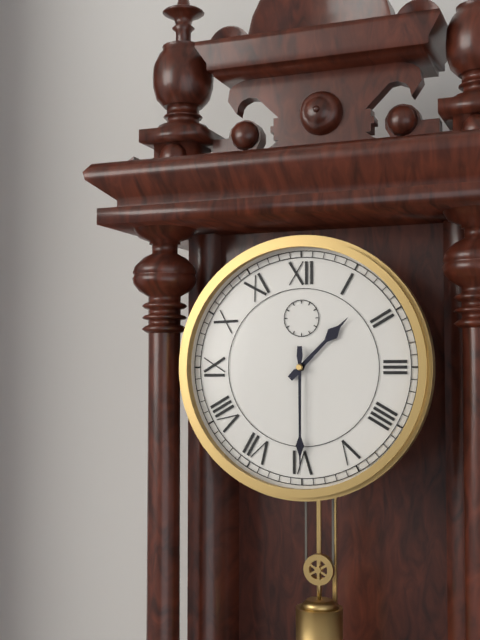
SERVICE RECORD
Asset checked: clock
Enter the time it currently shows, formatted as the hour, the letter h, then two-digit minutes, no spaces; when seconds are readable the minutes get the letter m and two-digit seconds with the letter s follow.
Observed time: 1h30
